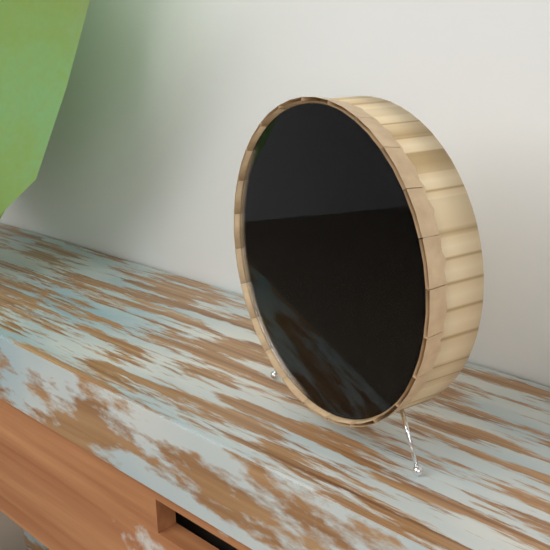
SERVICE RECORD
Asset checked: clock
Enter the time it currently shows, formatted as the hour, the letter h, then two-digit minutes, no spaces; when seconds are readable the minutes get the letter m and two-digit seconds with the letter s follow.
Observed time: 4h22
